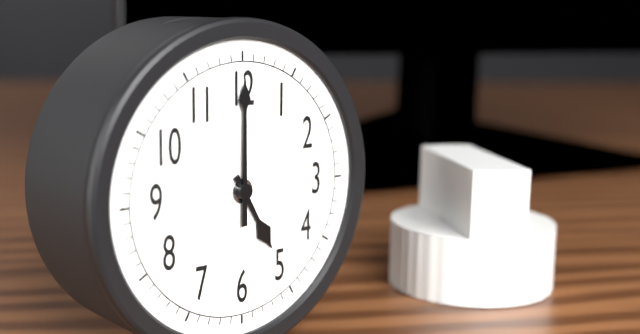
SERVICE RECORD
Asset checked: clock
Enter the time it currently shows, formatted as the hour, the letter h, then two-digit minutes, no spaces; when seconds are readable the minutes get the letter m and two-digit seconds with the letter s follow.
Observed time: 5h00
